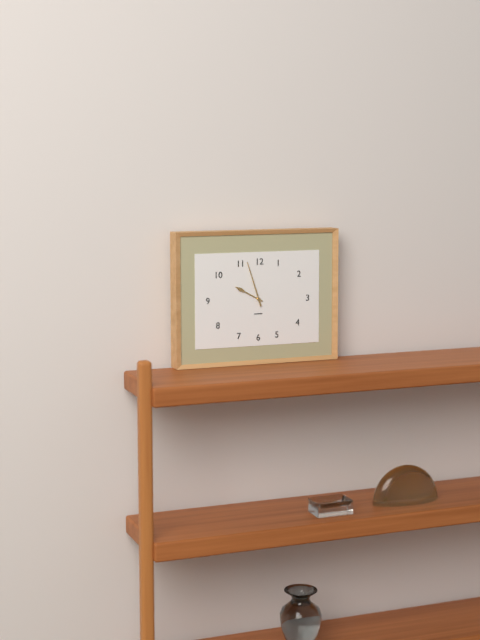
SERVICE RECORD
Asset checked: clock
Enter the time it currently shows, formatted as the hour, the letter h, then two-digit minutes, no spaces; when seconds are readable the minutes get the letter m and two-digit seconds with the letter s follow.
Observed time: 9h57
